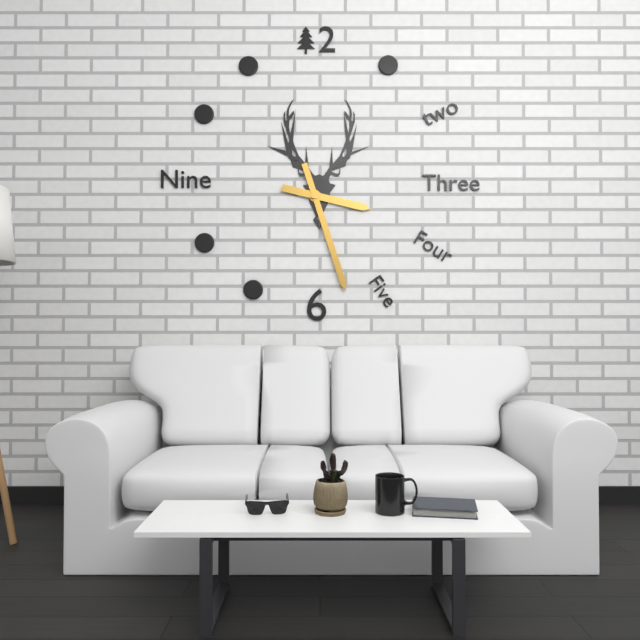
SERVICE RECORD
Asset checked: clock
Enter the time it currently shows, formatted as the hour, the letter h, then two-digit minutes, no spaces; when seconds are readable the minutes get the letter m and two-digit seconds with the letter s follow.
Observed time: 3h27
